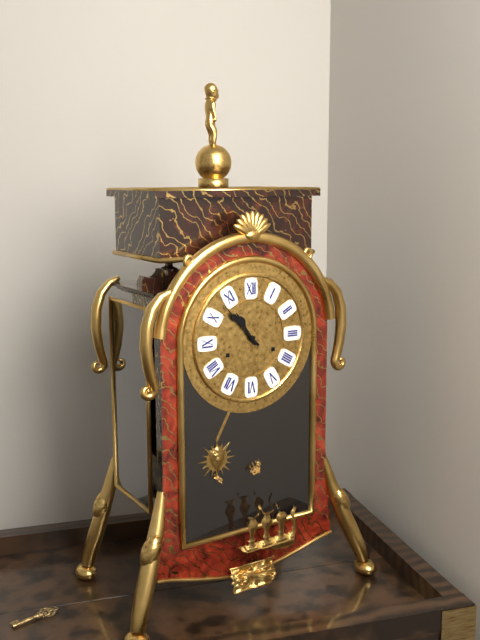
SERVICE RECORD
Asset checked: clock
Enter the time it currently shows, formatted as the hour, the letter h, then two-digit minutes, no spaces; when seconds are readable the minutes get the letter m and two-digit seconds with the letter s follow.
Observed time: 10h53
